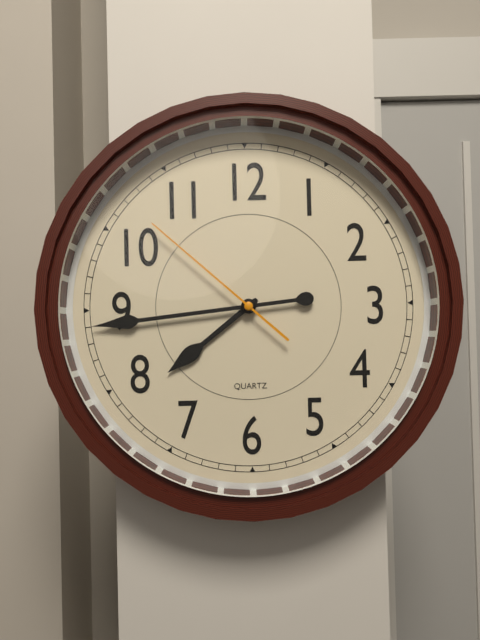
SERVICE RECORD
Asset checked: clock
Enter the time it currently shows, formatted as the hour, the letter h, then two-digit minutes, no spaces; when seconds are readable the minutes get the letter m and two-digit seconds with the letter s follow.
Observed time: 7h44m52s
